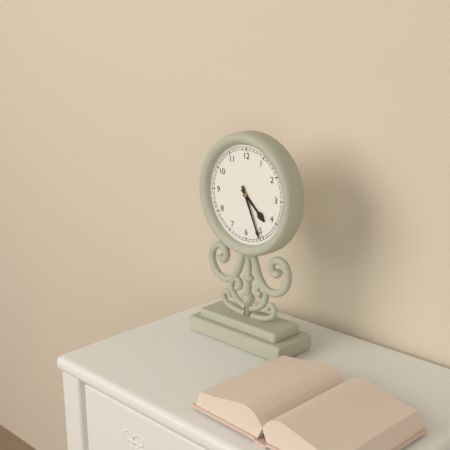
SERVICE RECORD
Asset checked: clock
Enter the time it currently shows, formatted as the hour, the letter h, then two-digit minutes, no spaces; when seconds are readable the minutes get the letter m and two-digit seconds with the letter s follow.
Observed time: 4h26
